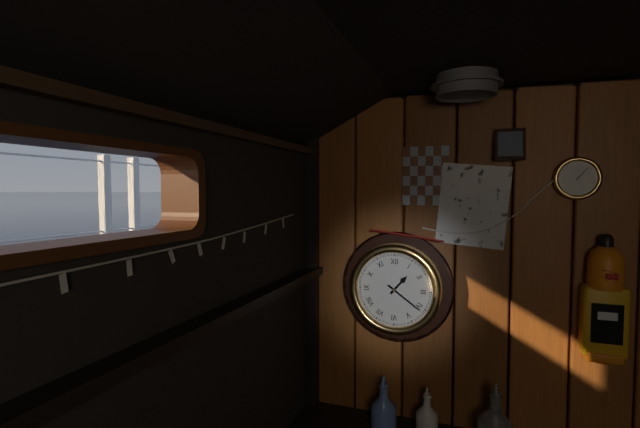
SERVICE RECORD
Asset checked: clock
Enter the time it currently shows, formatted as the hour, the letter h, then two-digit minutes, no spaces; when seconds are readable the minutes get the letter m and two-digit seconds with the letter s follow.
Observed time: 1h21
